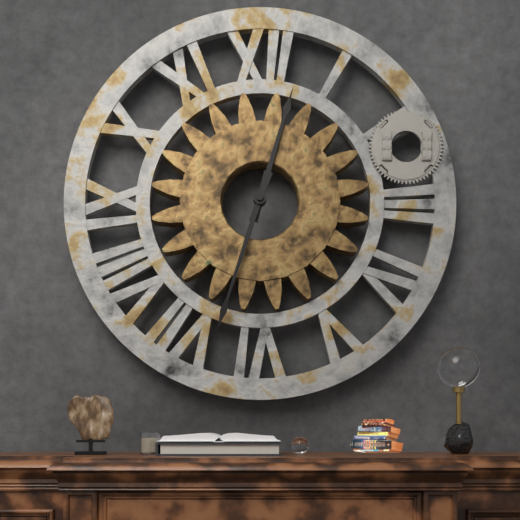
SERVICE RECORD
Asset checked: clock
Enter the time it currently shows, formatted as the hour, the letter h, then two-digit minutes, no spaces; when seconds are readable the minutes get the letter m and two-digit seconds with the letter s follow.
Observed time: 12h33
